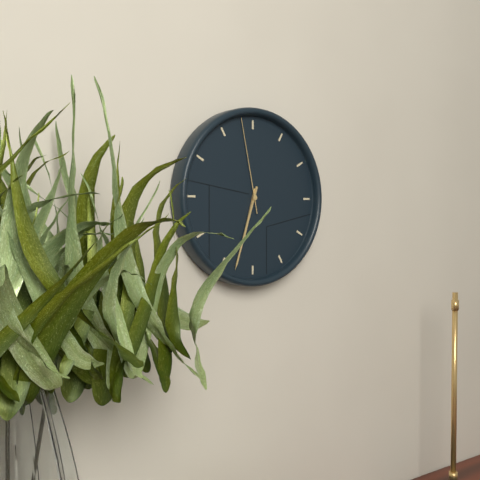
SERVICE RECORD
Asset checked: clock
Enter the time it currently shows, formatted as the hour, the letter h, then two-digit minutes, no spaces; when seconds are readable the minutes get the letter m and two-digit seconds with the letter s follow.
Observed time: 6h33m58s
